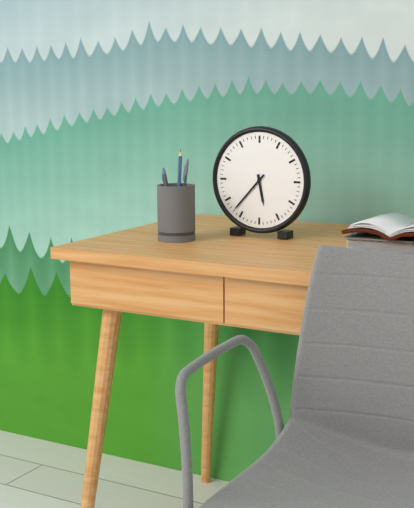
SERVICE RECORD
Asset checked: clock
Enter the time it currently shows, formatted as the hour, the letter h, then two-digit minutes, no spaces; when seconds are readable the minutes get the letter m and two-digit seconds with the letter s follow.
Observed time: 5h37
